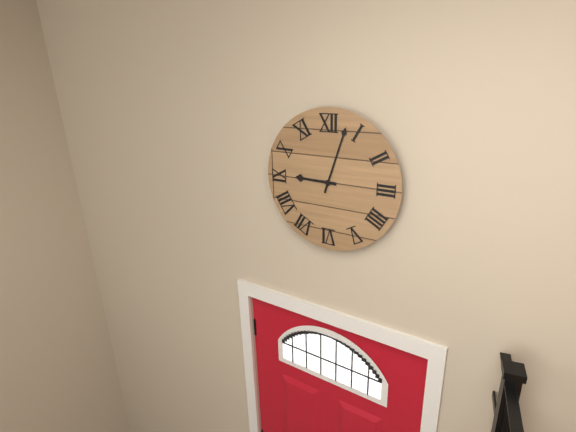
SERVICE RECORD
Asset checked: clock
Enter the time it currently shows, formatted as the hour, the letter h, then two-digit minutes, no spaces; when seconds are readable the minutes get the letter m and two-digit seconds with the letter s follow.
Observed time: 9h03
